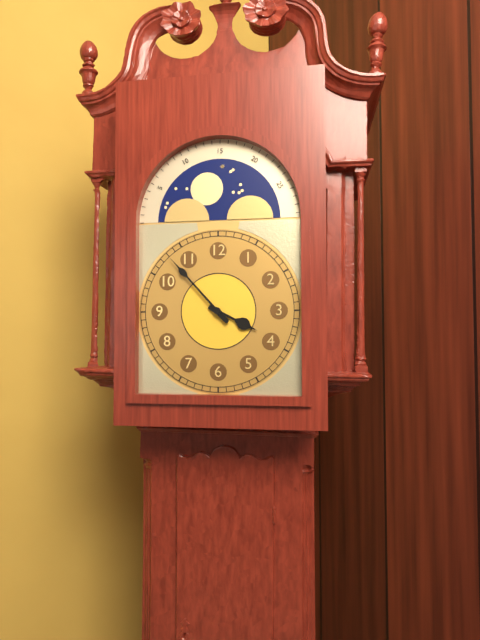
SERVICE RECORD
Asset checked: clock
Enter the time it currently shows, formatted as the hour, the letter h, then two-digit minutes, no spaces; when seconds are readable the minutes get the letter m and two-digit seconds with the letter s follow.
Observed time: 3h53
